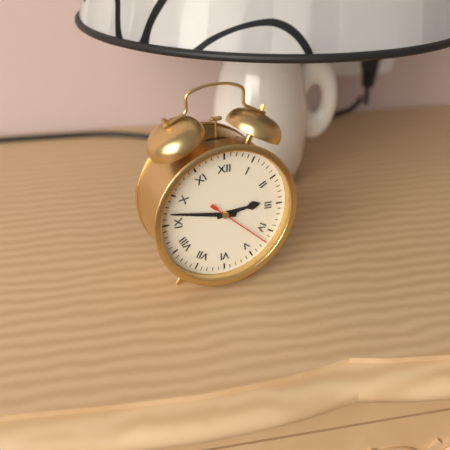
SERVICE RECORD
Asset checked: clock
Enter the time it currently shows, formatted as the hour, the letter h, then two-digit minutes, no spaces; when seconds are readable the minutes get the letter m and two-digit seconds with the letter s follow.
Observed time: 2h47m22s
